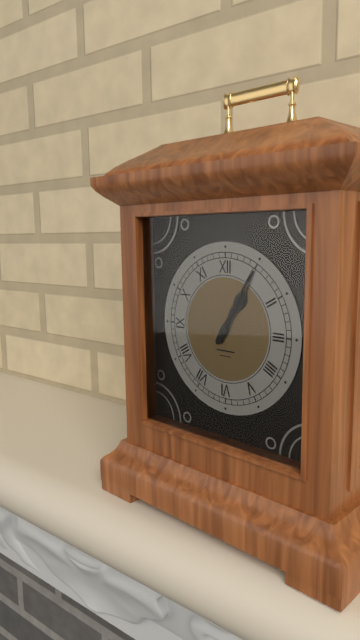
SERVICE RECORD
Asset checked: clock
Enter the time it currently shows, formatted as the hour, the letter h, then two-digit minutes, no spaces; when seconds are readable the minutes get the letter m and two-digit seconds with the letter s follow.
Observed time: 1h05
